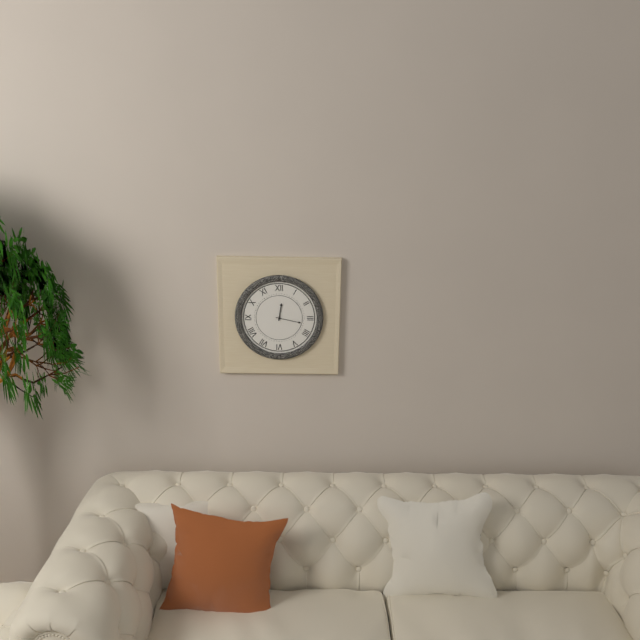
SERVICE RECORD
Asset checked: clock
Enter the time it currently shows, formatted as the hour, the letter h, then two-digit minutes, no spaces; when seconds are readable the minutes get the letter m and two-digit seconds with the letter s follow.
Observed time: 12h17
